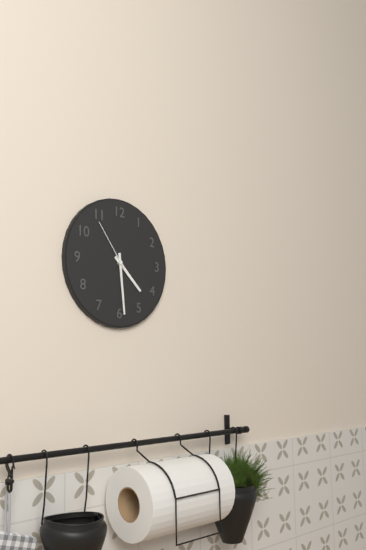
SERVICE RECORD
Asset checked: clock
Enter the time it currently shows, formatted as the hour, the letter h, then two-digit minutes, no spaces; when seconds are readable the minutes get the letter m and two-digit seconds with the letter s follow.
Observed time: 4h29m54s
